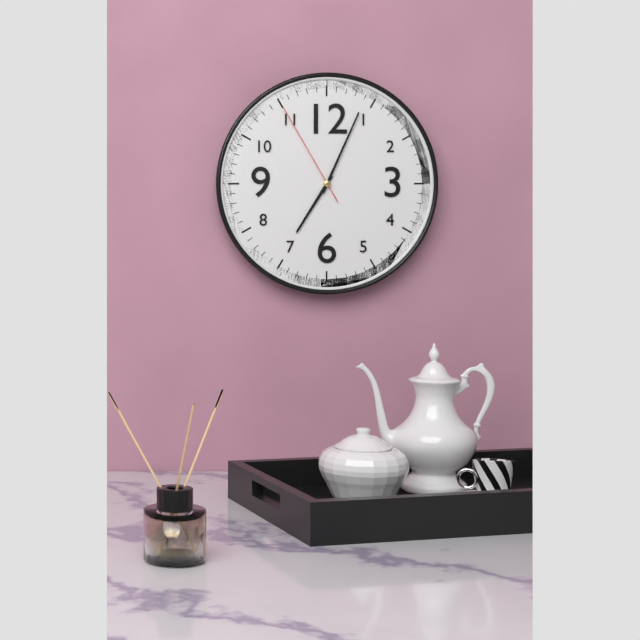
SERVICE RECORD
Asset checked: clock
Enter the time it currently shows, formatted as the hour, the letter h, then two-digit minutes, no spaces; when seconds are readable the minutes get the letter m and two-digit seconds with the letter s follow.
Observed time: 7h04m55s
